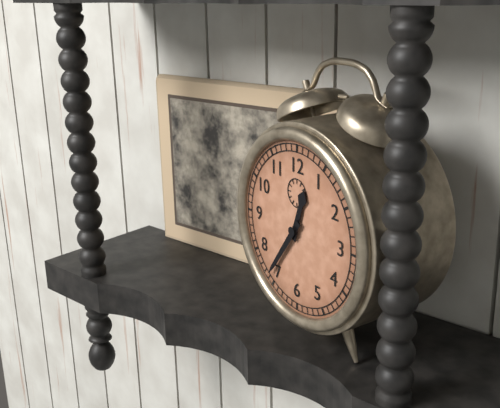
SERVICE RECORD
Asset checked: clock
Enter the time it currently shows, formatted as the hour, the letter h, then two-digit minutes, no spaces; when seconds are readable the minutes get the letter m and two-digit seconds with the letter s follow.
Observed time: 12h36
